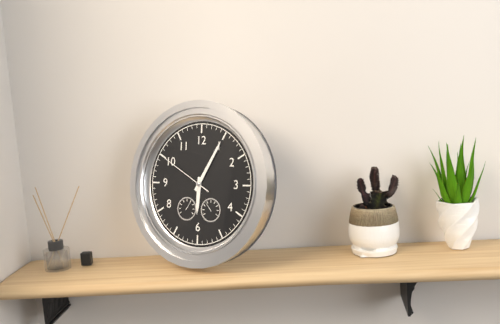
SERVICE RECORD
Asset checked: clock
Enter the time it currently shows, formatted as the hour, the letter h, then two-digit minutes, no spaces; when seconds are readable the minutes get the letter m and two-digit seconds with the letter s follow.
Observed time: 6h05m50s
